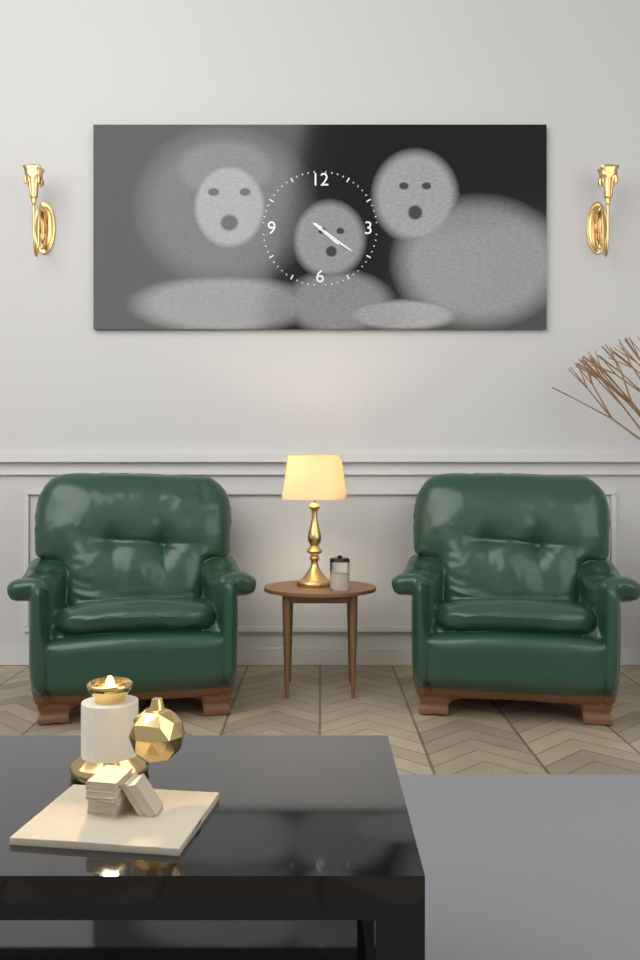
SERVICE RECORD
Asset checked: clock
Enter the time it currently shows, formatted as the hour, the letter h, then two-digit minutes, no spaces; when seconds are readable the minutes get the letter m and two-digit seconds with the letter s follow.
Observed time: 4h21
